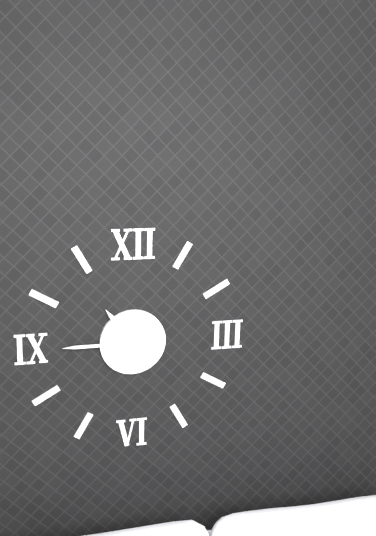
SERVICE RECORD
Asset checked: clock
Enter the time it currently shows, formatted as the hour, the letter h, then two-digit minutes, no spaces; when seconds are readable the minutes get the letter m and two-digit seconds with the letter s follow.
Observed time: 10h45
